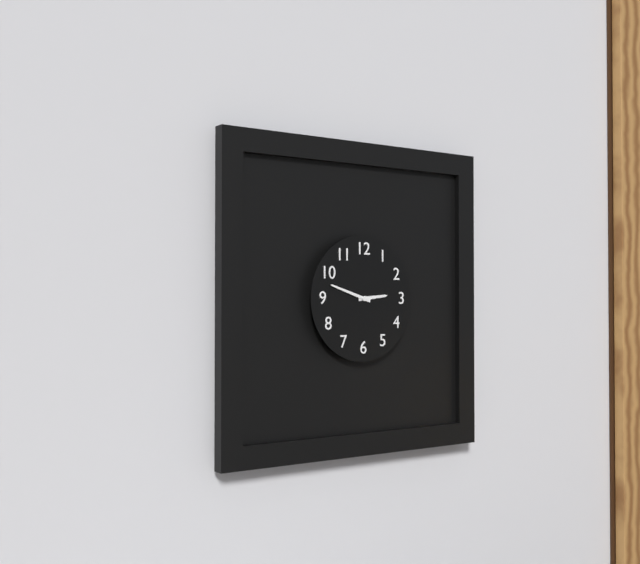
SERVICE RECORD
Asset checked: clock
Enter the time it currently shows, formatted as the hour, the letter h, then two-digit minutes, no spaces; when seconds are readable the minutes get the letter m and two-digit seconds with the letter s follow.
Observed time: 2h48
